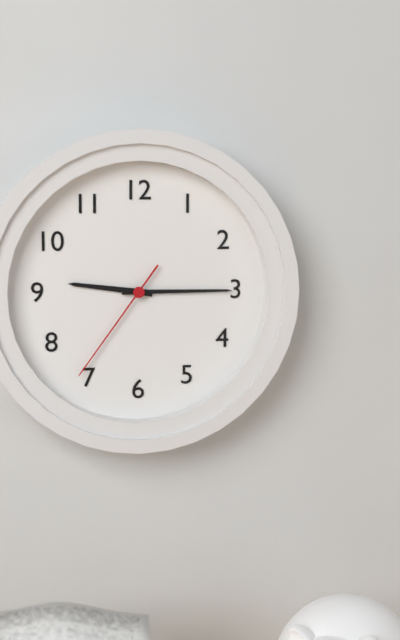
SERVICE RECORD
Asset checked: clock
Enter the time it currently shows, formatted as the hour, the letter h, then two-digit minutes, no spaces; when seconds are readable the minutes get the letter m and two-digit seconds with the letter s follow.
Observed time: 9h15m36s
